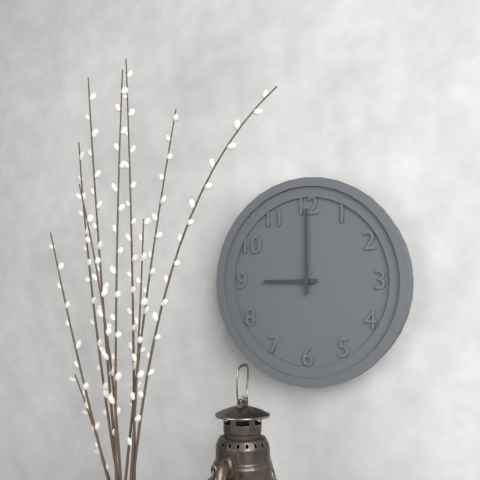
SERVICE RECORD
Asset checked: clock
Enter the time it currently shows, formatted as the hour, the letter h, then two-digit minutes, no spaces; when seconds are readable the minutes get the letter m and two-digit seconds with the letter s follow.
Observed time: 9h00
